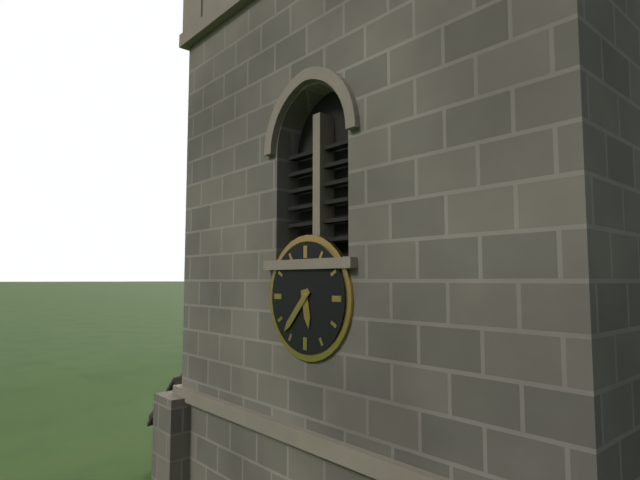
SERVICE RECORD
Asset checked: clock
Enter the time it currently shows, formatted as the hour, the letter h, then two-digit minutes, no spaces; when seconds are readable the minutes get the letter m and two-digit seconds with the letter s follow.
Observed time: 5h37
